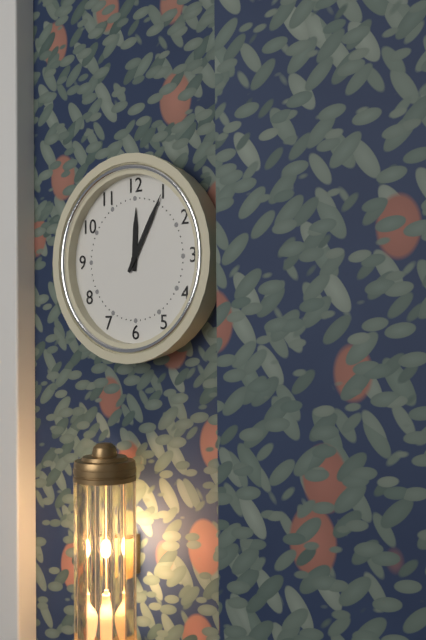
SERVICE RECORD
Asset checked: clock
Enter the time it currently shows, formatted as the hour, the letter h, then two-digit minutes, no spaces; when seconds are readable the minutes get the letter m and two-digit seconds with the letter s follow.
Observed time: 12h05
